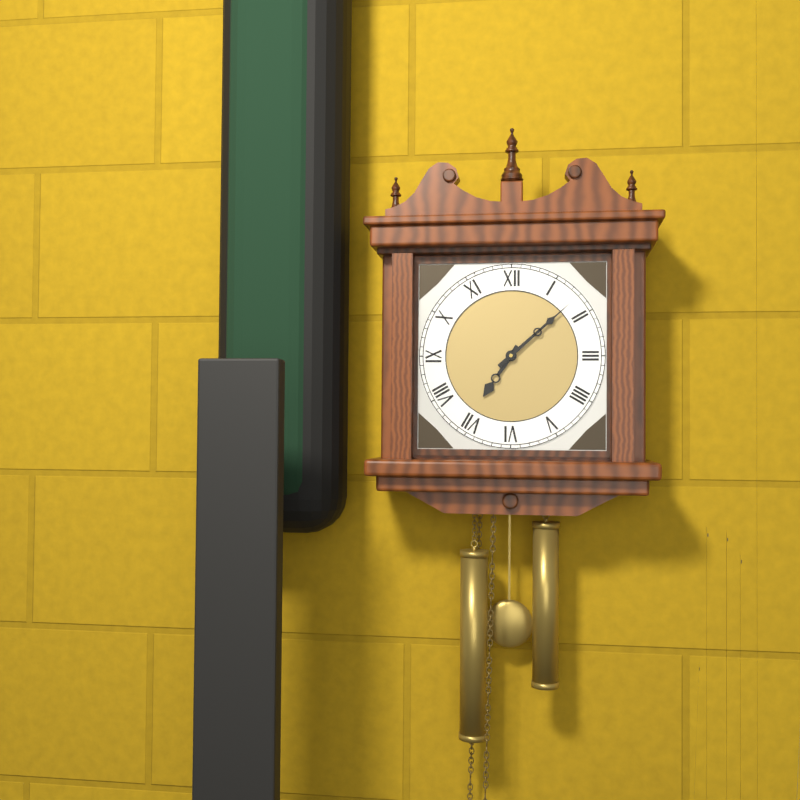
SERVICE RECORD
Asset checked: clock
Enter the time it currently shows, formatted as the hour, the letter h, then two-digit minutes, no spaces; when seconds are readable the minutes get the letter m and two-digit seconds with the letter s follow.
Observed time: 7h08
